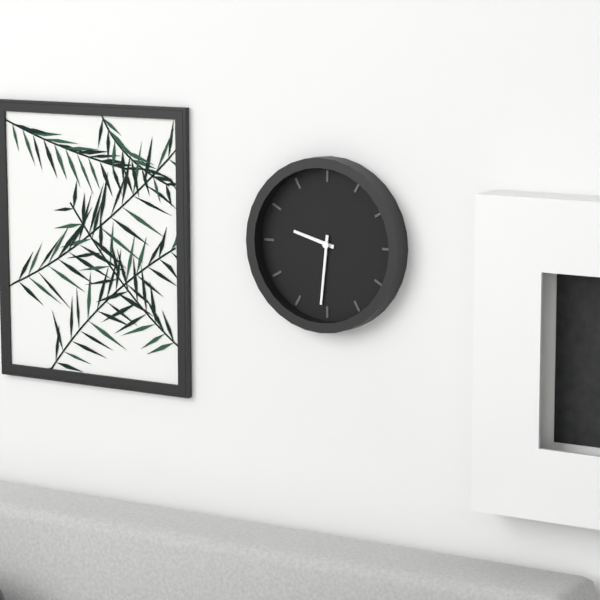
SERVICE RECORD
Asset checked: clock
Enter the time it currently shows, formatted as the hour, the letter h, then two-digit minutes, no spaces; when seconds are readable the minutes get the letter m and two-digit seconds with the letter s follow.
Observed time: 9h31
